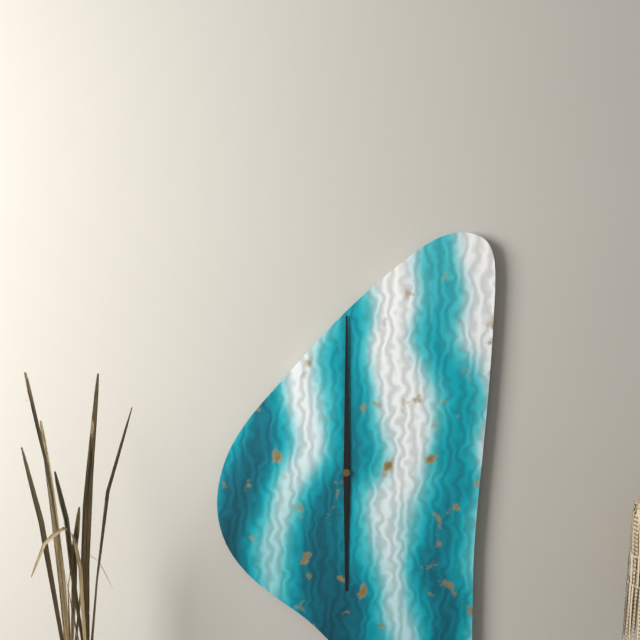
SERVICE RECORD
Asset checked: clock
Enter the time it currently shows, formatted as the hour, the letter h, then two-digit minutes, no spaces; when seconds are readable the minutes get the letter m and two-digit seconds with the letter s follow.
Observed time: 6h00
